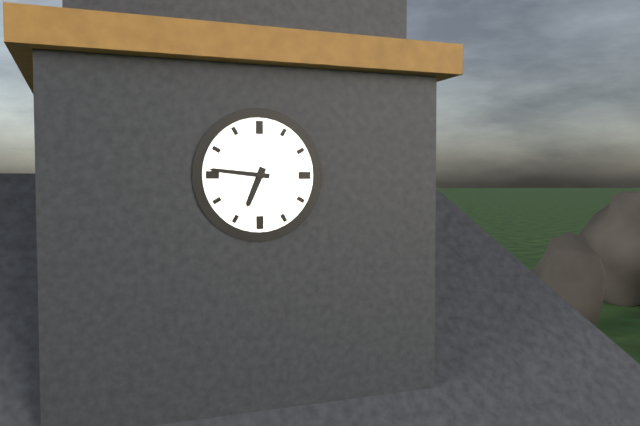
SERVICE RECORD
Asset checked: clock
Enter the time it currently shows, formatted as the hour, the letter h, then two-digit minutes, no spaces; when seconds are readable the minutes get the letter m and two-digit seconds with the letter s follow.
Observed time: 6h46
